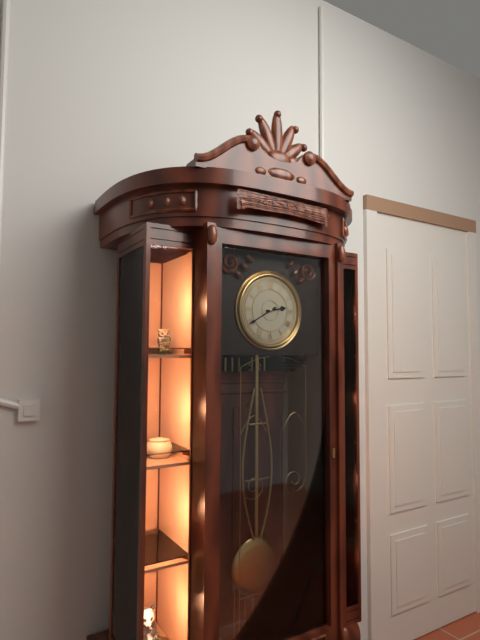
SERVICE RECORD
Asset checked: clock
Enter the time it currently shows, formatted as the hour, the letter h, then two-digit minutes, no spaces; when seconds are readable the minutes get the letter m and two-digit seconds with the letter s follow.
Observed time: 2h40
